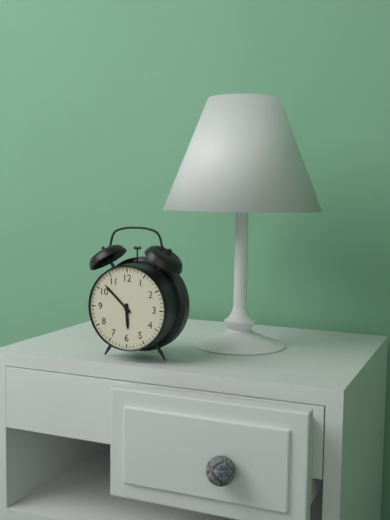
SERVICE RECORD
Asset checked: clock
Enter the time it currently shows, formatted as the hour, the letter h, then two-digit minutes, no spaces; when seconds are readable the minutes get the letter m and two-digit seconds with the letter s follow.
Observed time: 5h52
